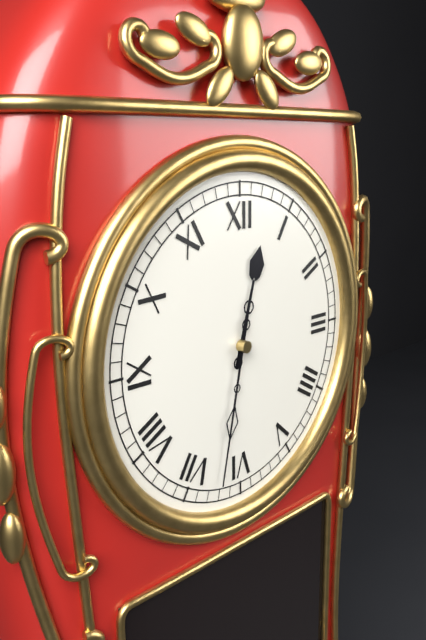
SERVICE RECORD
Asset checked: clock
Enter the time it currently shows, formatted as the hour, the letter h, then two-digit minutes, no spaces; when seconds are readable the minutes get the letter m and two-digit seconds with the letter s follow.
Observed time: 12h32
